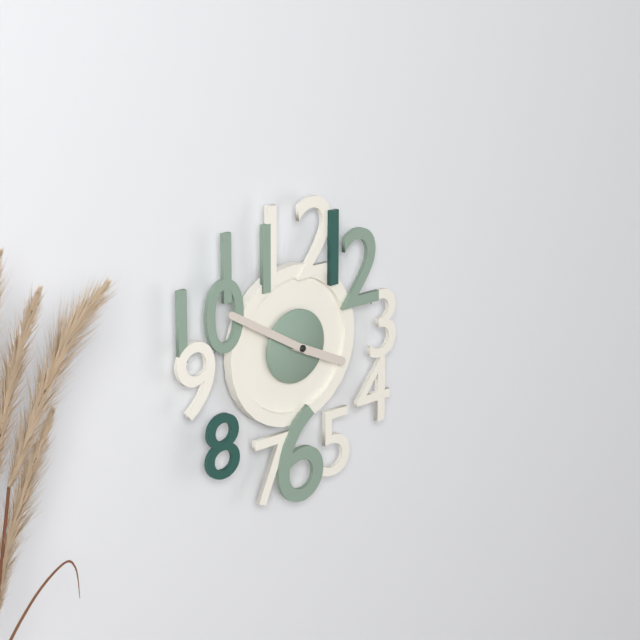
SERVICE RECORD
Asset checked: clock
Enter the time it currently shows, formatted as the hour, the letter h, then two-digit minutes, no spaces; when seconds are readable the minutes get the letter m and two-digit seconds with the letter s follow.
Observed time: 3h50
